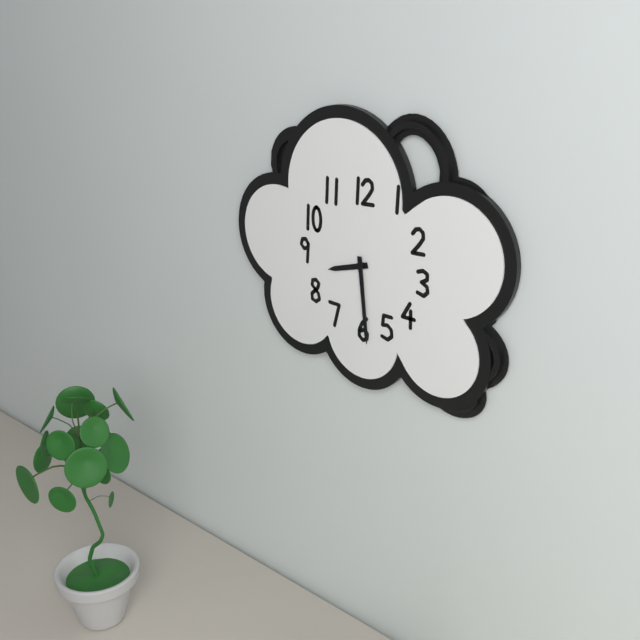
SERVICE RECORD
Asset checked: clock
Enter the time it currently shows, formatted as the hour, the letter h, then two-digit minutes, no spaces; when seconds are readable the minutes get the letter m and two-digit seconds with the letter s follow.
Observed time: 8h29
